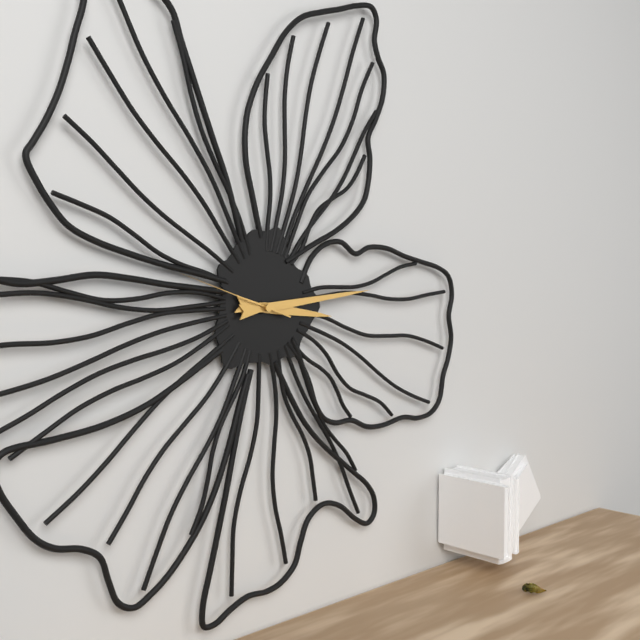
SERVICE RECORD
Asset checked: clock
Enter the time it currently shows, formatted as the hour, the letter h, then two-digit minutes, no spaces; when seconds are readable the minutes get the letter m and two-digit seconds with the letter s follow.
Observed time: 3h14m48s
